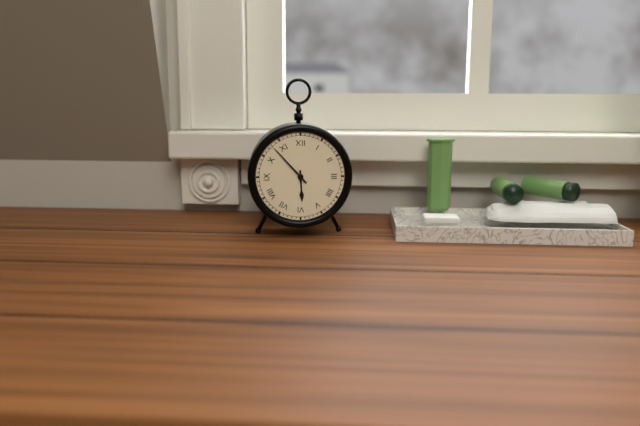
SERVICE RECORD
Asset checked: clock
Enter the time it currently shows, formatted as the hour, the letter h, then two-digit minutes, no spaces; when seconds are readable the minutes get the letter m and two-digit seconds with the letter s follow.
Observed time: 5h53
